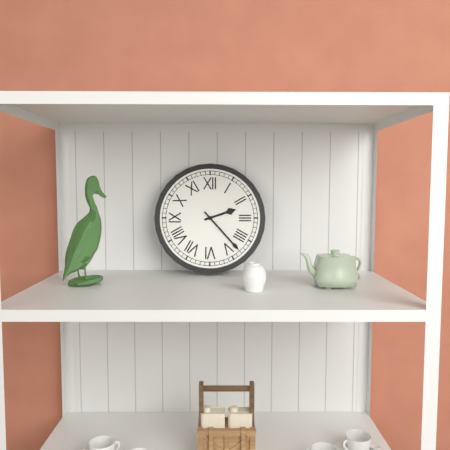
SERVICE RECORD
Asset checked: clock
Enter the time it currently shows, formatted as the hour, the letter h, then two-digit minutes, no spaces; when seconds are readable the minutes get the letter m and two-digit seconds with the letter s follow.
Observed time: 2h23
